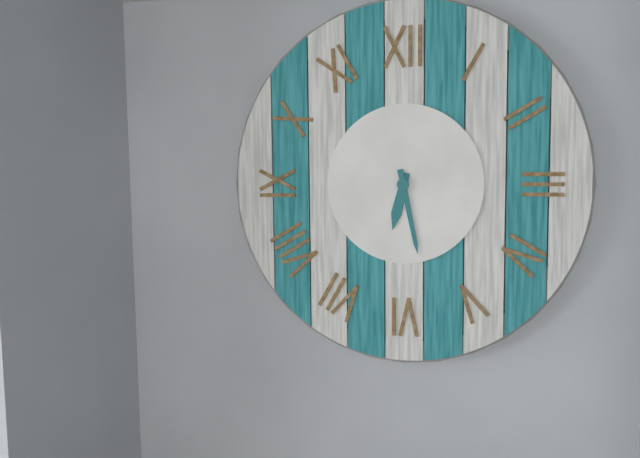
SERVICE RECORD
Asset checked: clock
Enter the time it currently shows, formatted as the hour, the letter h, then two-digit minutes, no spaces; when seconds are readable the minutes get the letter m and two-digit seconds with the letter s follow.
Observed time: 6h28
